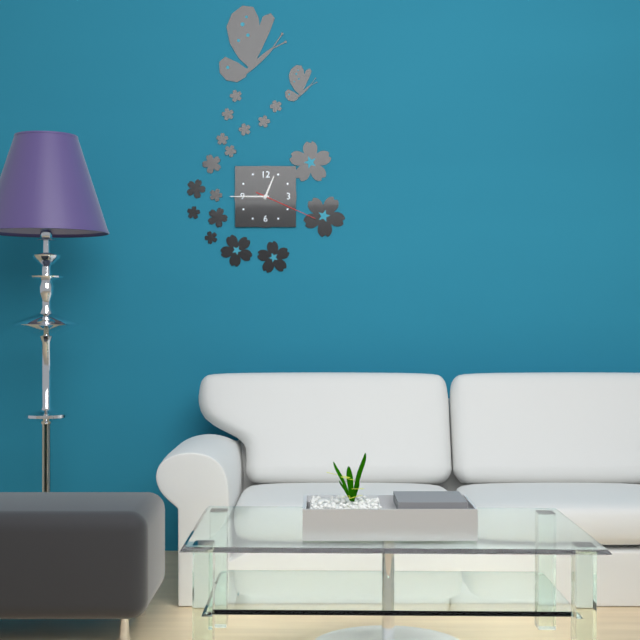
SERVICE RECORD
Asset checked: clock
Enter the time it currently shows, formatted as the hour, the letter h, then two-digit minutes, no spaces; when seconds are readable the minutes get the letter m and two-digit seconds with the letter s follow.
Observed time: 12h45m19s
